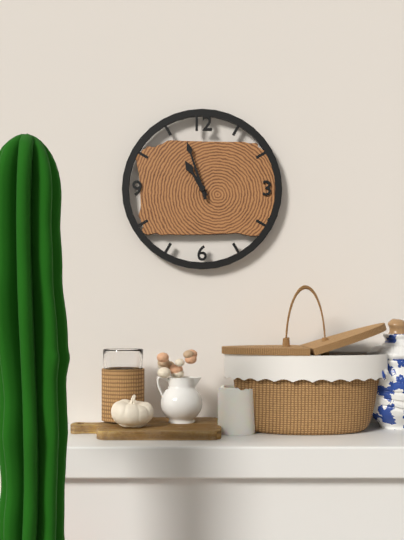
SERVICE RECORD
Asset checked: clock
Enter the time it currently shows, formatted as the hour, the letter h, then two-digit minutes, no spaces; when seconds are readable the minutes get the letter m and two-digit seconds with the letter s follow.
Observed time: 10h57
